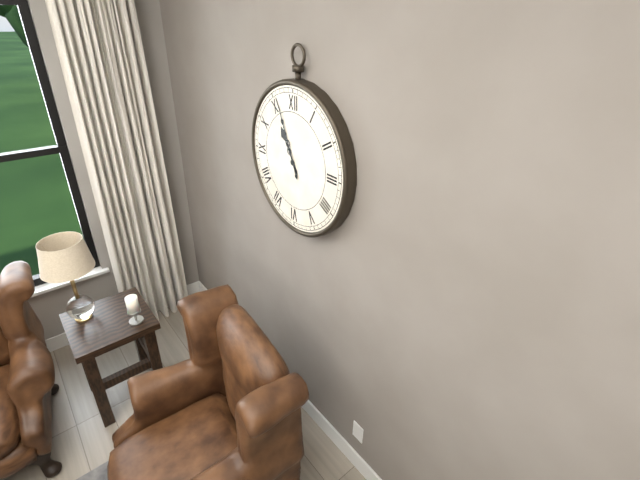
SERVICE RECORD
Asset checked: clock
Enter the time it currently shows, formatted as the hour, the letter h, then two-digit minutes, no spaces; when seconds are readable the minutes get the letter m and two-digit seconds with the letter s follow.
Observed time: 10h56
